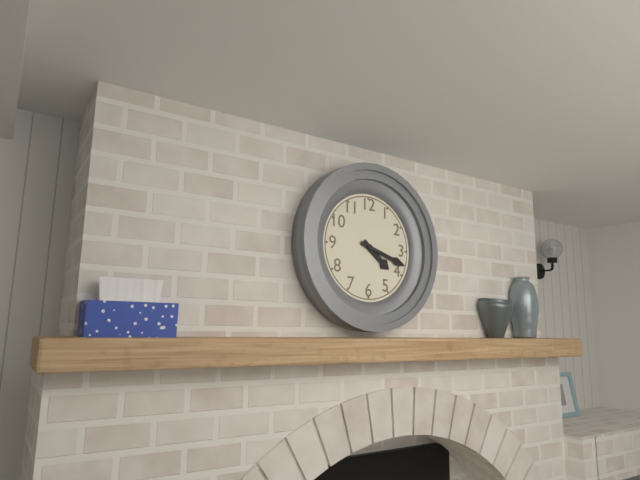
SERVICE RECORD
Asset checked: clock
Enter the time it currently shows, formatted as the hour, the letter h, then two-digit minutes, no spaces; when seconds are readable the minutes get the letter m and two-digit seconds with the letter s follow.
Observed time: 4h18
